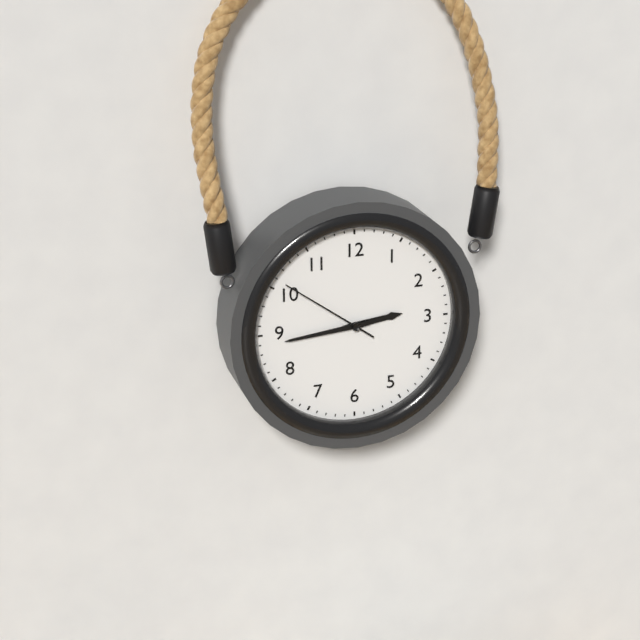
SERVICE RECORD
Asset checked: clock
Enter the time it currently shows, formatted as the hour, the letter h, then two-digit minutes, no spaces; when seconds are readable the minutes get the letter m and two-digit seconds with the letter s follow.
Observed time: 2h44m51s
